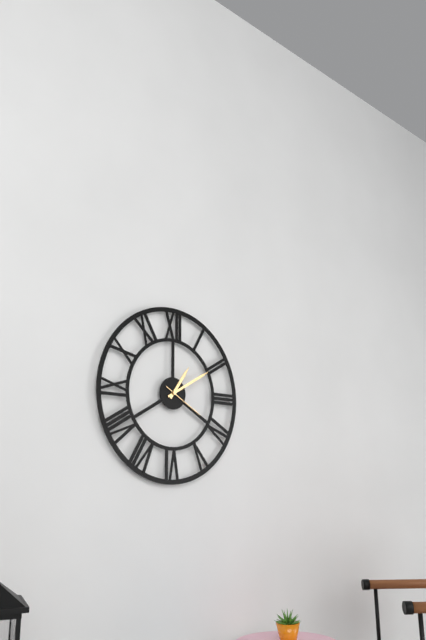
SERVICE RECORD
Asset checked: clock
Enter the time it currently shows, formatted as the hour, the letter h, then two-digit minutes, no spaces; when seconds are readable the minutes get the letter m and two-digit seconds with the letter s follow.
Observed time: 1h10
